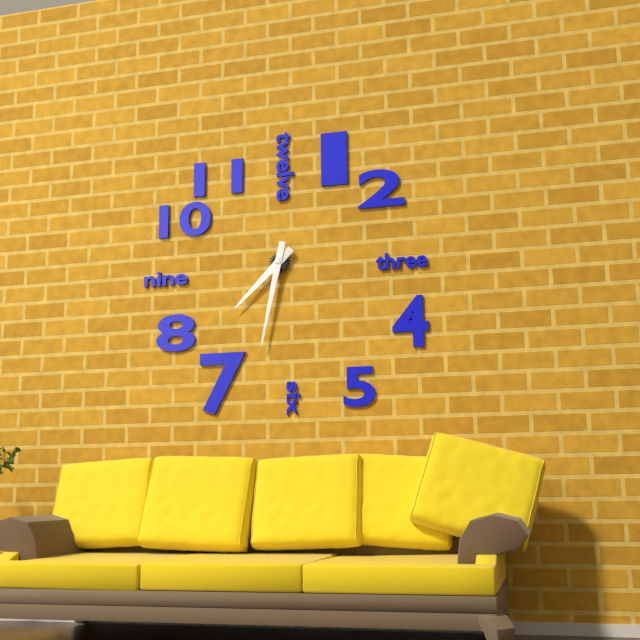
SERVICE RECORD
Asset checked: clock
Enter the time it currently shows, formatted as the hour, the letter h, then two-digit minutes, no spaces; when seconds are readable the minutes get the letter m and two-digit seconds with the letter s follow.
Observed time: 7h32
